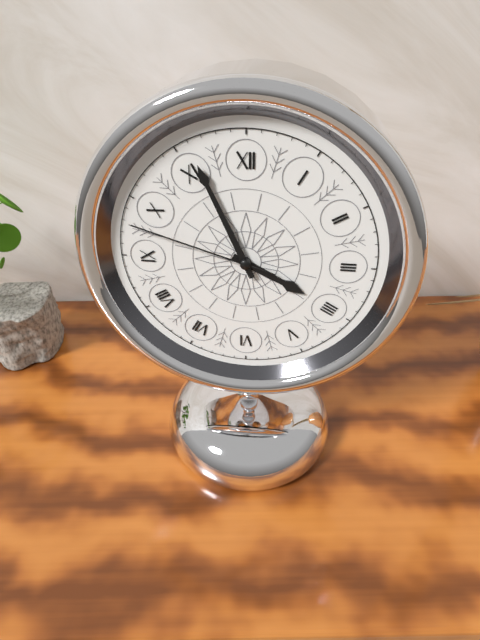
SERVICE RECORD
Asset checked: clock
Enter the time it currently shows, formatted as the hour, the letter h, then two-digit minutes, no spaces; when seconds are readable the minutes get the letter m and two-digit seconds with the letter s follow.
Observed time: 3h56m48s
